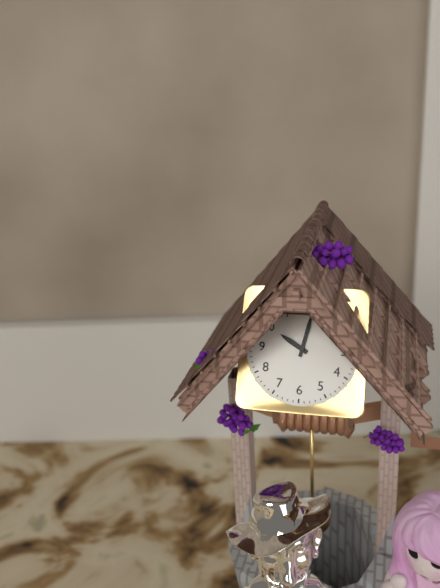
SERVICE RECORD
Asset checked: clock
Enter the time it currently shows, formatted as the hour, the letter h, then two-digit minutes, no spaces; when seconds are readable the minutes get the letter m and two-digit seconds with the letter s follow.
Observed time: 10h02
